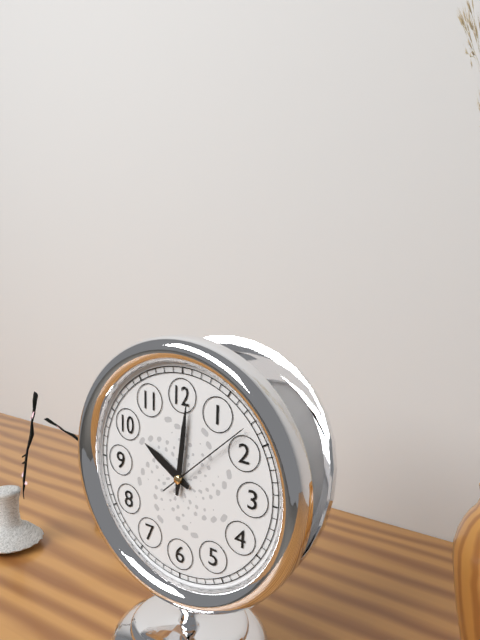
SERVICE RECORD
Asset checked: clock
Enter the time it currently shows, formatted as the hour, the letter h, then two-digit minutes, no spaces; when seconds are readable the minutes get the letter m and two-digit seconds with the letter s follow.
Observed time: 10h01m08s
